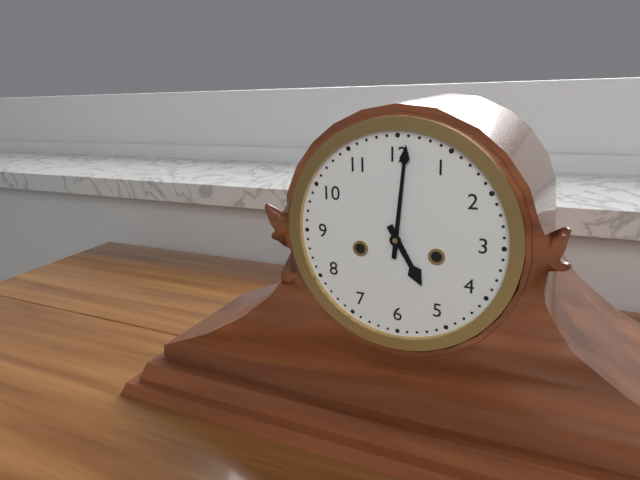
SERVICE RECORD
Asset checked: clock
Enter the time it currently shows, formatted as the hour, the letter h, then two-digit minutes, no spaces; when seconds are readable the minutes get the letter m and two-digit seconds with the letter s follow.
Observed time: 5h01
